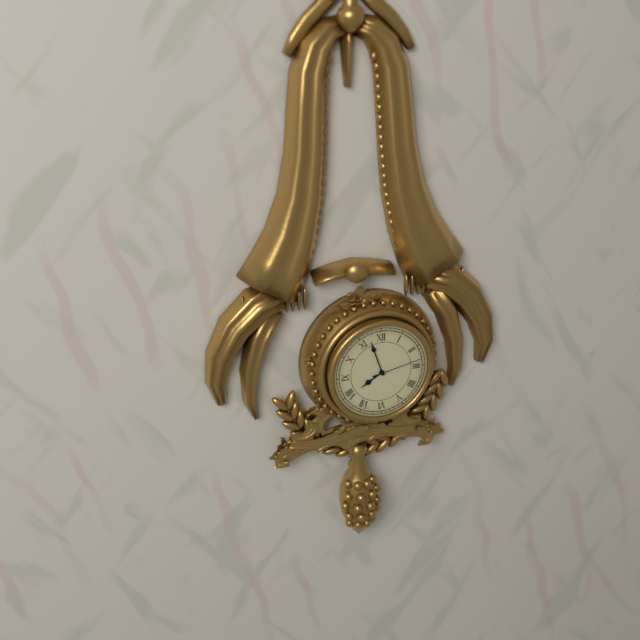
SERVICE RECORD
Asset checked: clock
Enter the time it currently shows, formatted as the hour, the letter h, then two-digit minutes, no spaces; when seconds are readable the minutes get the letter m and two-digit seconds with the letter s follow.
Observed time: 7h57m13s
